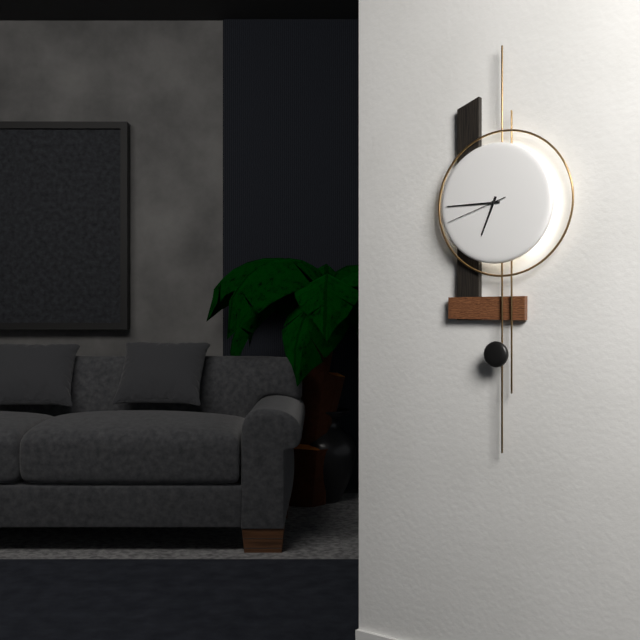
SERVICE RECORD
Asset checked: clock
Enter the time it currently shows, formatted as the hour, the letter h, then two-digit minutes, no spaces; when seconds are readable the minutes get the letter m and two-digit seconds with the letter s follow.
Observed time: 6h45m42s
